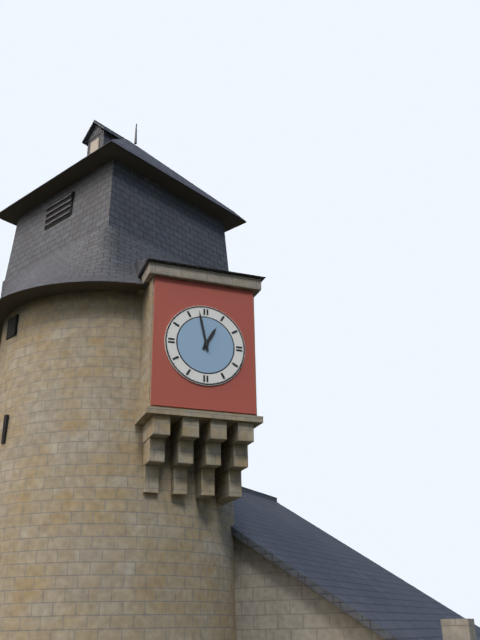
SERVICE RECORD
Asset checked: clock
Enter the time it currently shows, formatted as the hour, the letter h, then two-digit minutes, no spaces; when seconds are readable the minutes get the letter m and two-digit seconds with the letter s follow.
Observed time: 12h58
